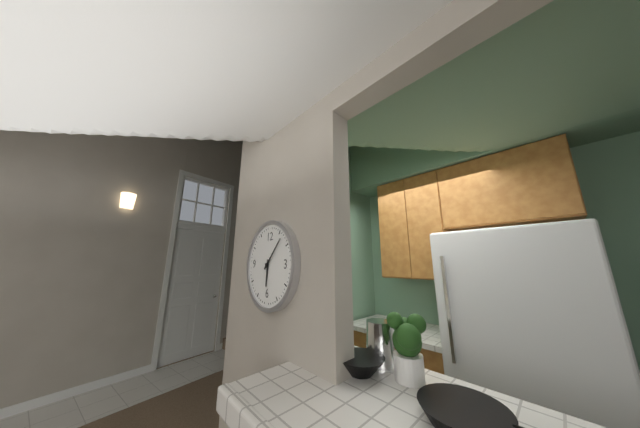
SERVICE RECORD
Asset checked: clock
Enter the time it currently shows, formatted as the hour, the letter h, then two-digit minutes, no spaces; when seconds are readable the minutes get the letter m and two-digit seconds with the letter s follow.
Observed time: 6h07
